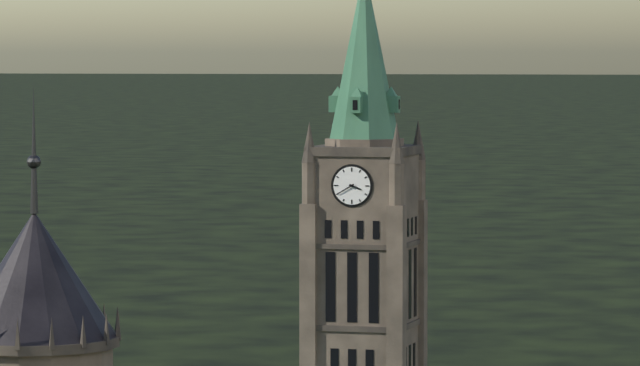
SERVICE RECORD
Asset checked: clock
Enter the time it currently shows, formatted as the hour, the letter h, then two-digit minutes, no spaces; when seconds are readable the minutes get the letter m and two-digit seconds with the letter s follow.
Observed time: 3h40
